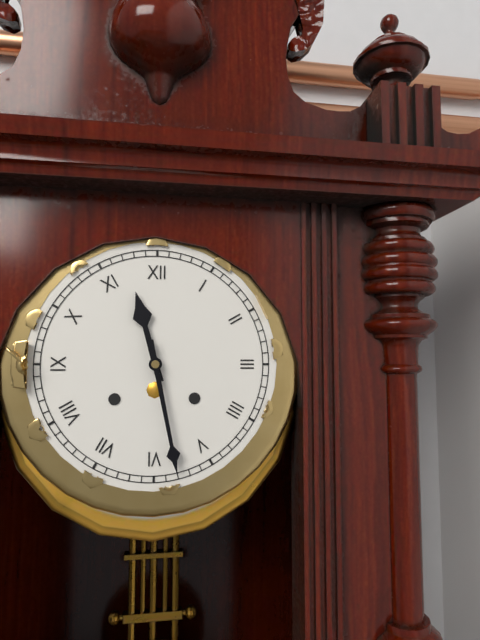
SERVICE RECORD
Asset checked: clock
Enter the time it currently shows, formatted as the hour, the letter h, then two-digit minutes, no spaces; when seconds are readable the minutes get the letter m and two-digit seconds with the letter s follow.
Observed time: 11h28
